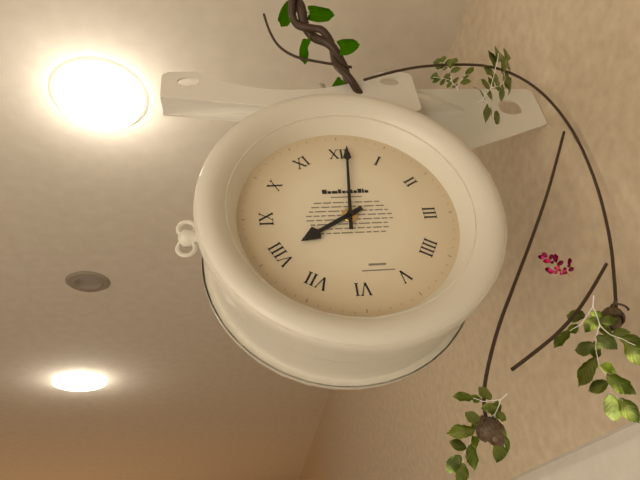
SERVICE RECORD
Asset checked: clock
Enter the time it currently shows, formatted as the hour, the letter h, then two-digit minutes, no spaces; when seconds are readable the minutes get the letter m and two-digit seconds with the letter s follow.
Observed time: 8h01
